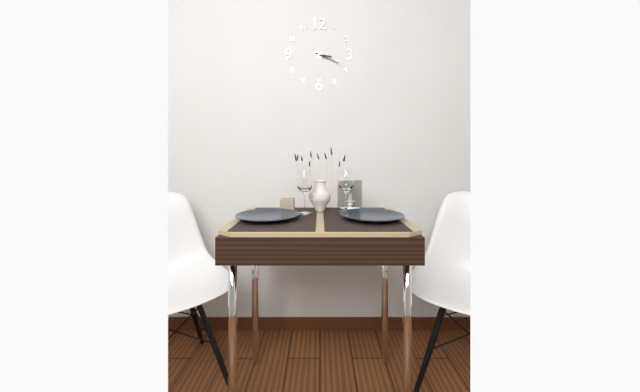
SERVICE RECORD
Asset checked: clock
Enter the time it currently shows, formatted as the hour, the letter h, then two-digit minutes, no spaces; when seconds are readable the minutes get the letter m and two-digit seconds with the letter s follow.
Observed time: 3h19
